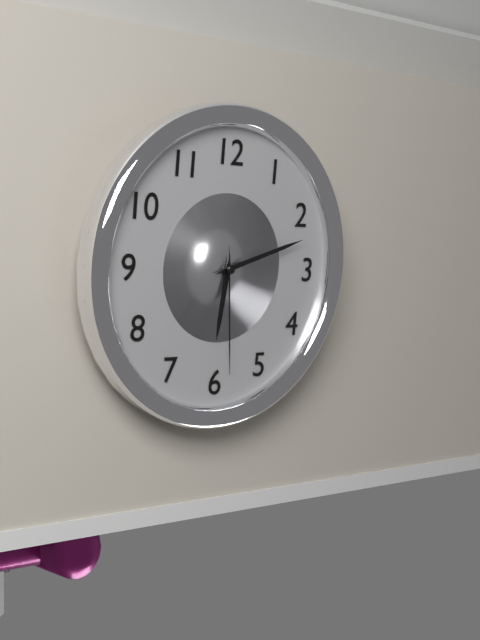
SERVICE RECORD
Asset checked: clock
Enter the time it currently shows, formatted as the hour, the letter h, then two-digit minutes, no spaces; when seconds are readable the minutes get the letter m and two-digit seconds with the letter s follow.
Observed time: 6h12m29s
